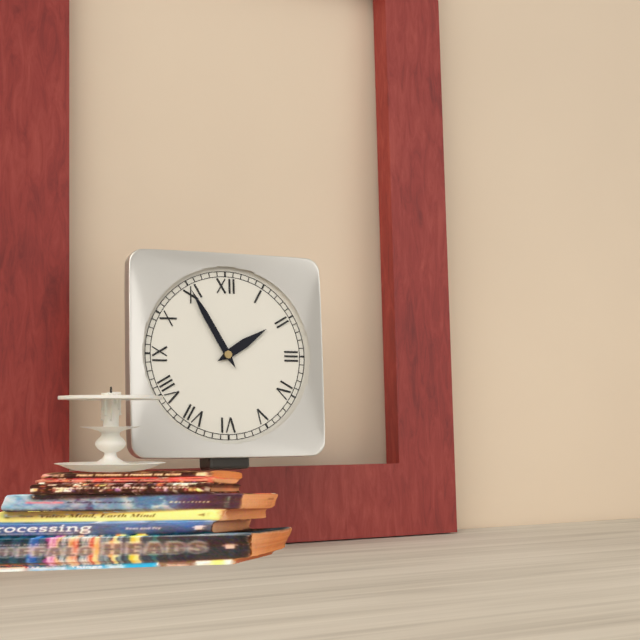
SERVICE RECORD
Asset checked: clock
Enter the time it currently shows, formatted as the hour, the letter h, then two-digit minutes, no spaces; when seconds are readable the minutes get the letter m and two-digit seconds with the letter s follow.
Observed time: 1h55
